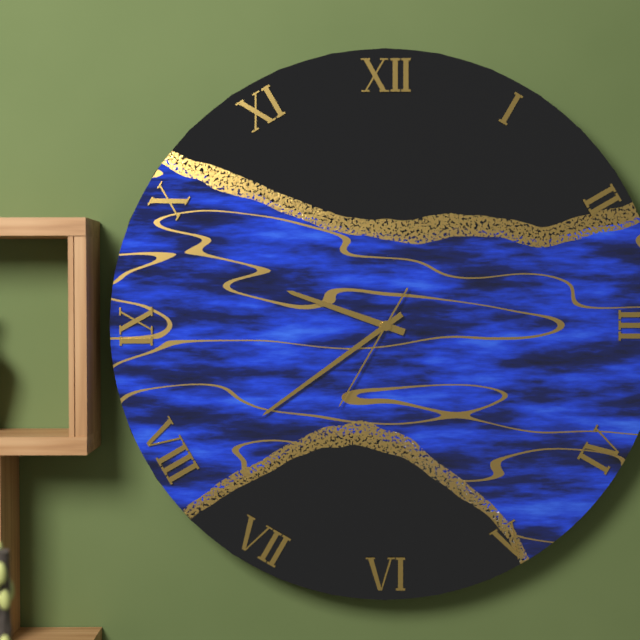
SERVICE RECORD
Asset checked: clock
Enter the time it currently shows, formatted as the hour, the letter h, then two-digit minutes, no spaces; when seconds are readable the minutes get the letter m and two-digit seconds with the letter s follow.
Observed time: 9h39m35s
